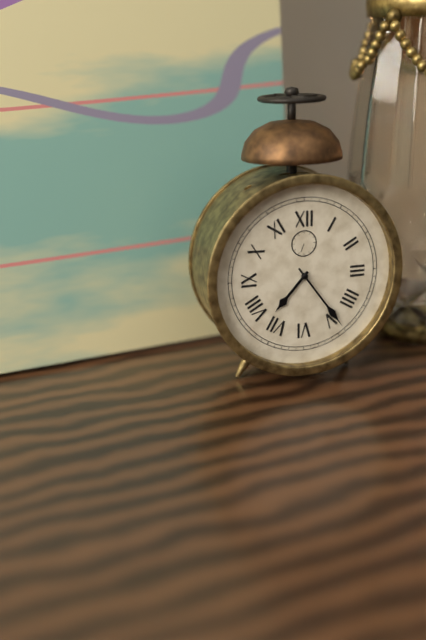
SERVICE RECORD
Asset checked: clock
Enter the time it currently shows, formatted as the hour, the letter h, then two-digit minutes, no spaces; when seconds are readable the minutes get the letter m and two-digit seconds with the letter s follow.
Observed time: 7h24
